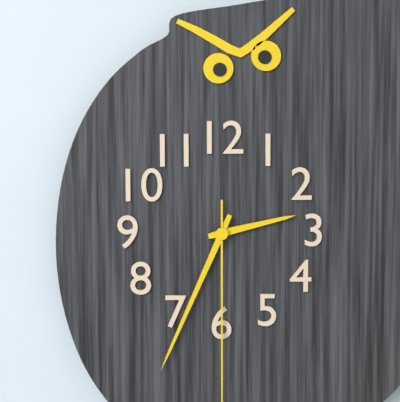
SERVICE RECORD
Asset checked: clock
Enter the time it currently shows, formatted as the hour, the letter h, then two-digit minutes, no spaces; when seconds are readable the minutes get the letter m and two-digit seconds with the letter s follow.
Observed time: 2h34
